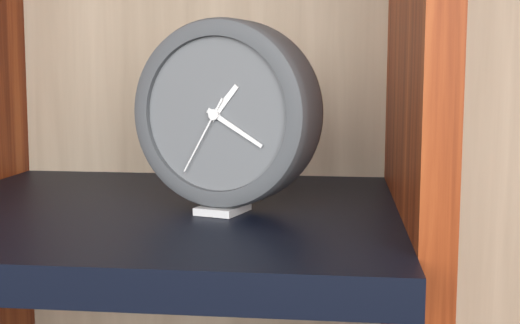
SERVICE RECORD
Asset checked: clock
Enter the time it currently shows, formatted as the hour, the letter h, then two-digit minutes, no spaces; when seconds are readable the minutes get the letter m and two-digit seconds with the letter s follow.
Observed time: 1h20m35s
